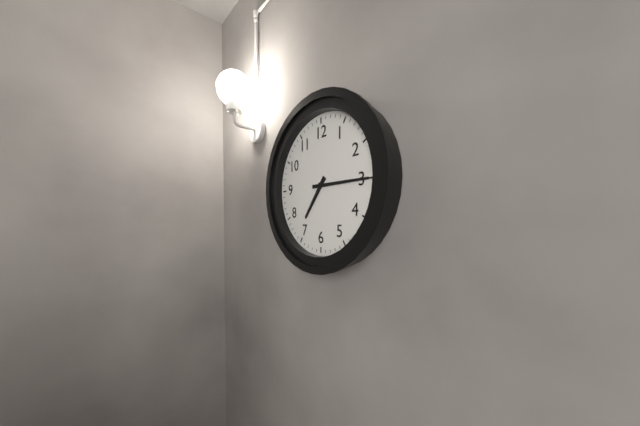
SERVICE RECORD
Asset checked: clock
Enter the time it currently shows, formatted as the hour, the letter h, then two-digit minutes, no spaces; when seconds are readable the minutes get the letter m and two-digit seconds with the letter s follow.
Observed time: 7h15
